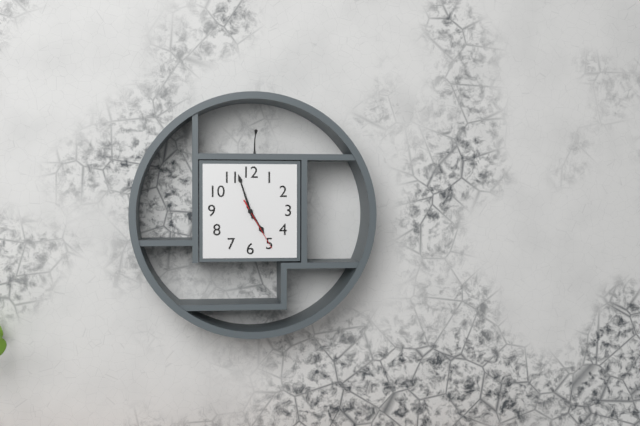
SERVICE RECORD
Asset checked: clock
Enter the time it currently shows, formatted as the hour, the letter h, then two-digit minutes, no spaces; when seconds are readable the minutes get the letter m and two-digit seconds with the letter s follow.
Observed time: 4h57m25s
